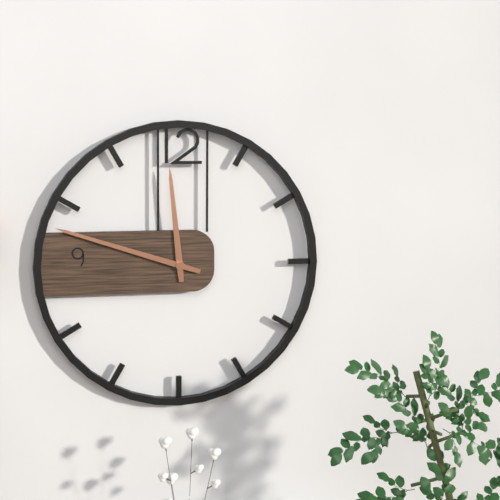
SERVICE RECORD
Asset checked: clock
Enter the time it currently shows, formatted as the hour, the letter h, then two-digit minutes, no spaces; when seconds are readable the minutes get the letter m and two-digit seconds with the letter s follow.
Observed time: 11h48
